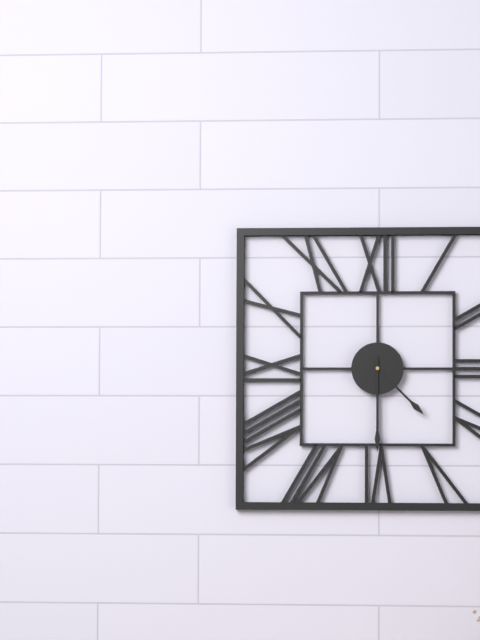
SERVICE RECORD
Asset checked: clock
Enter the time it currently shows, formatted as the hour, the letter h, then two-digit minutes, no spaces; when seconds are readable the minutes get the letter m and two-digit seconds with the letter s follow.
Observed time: 4h30
